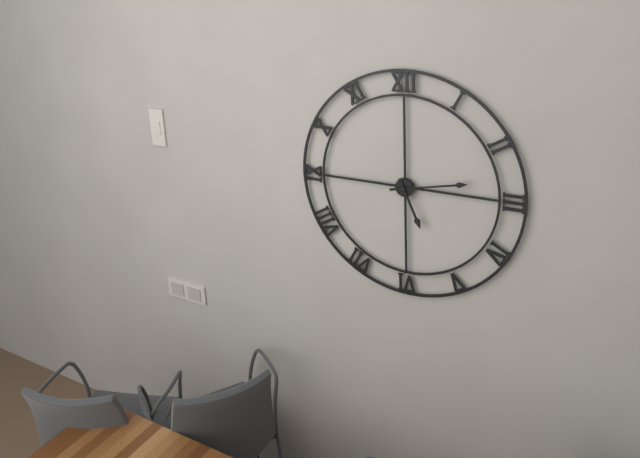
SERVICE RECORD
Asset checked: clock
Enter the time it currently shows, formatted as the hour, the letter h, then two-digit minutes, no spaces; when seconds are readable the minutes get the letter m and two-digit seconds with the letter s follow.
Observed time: 5h13
